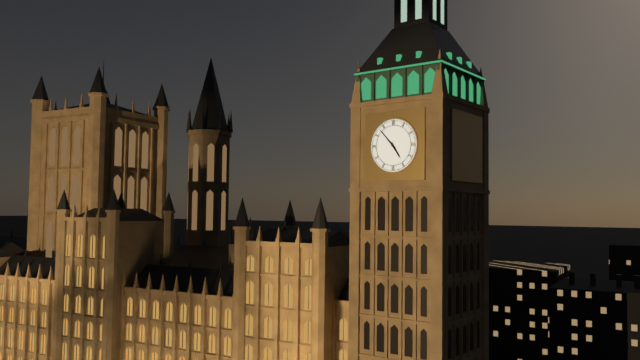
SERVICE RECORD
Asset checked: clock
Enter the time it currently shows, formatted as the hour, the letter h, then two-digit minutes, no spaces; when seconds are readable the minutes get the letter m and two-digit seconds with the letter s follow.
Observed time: 4h53
